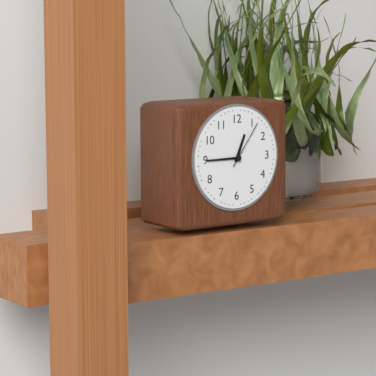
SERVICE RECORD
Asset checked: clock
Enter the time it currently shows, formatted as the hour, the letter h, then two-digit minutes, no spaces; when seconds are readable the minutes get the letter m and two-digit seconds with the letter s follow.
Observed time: 12h45m06s
